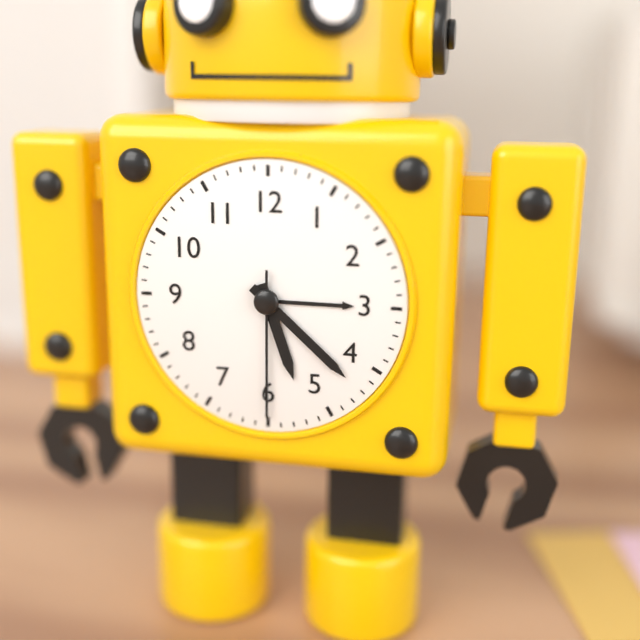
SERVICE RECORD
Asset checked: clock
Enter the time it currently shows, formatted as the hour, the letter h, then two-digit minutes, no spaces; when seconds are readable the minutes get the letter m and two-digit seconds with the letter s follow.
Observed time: 5h22m30s
